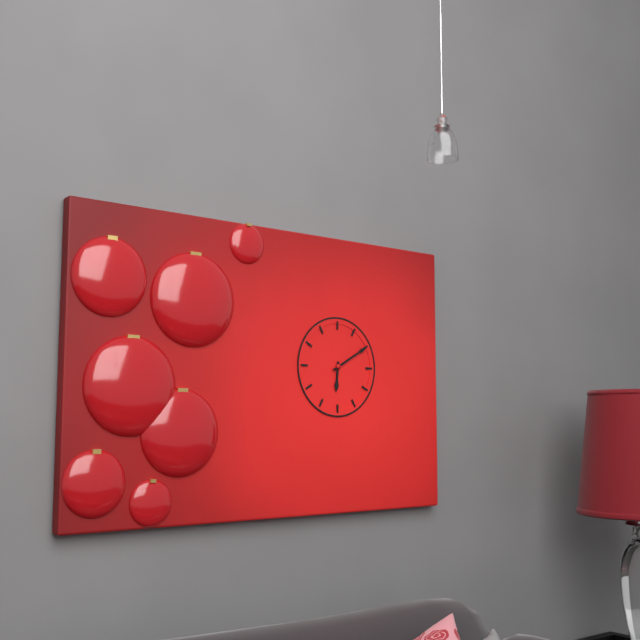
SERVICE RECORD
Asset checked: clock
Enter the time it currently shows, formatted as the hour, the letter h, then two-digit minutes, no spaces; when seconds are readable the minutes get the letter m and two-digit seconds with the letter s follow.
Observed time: 6h10
